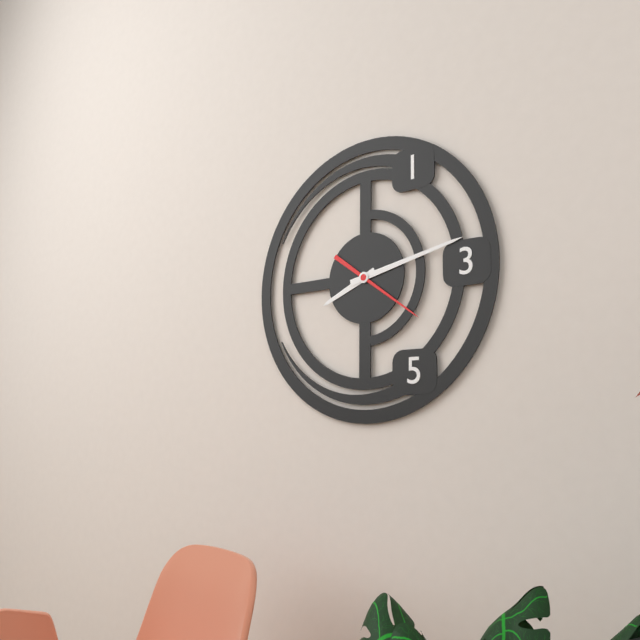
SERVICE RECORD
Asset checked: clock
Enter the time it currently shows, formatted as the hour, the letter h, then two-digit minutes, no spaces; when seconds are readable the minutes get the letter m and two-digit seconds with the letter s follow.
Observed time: 8h13m21s
